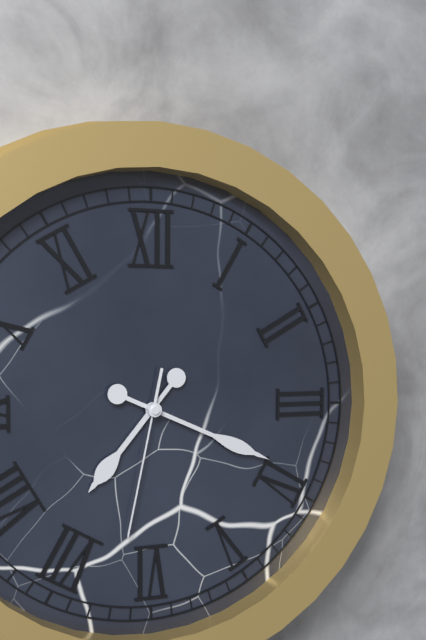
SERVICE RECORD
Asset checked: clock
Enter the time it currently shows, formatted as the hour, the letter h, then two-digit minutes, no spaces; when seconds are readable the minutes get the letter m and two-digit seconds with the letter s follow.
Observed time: 7h19m32s
